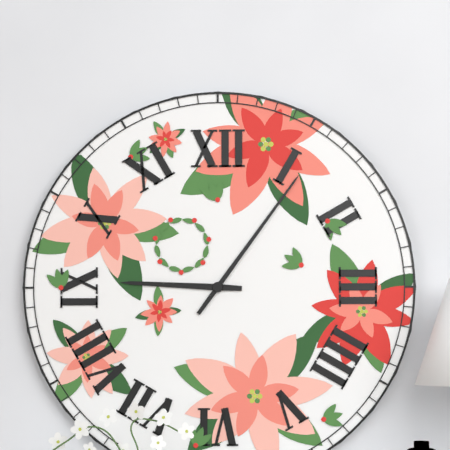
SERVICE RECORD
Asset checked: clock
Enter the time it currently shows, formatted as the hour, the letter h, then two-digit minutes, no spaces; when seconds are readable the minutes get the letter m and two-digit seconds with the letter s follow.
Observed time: 9h06
